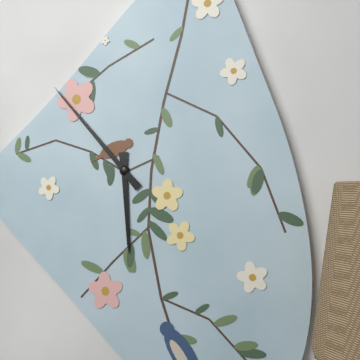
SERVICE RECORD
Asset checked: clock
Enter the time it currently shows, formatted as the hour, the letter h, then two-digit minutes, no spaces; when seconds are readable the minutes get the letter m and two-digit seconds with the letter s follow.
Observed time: 5h53
